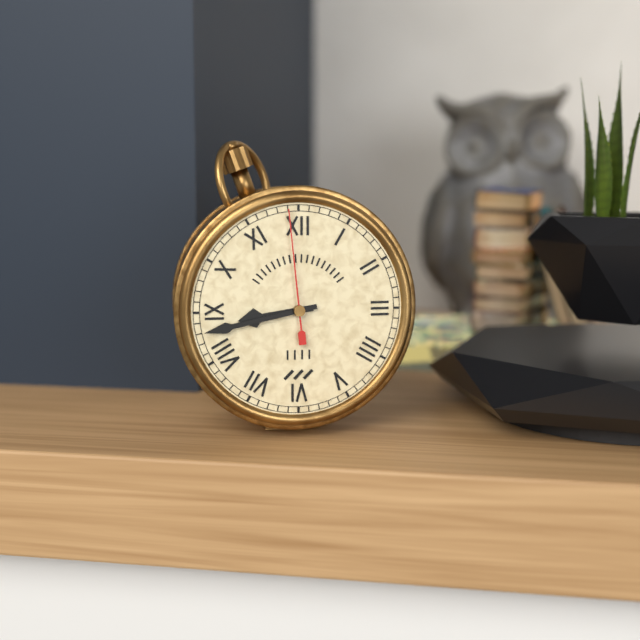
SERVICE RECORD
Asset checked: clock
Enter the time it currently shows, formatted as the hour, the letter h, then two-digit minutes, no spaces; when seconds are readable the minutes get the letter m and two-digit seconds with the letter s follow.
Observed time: 8h43m59s
